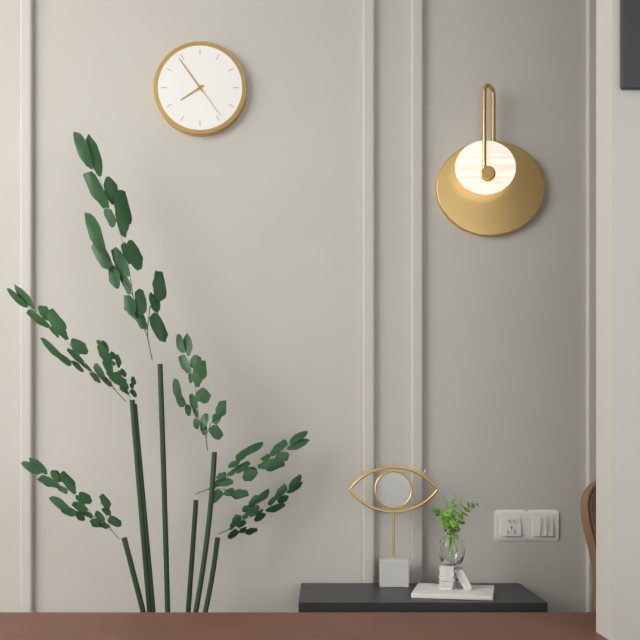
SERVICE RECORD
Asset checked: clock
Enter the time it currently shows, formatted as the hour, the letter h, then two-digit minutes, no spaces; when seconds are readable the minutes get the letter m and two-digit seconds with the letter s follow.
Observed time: 7h54
